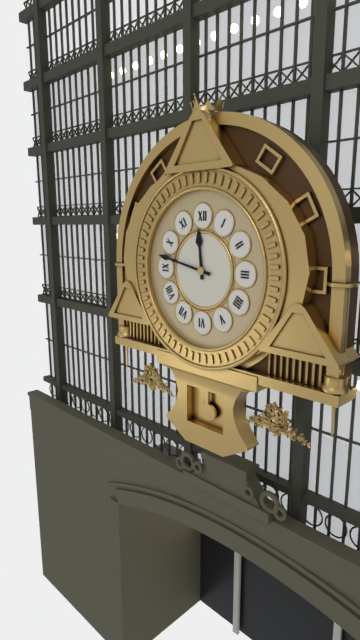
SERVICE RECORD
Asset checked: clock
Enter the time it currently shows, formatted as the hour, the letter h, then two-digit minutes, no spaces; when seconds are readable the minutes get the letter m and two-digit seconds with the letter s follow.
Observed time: 11h47
